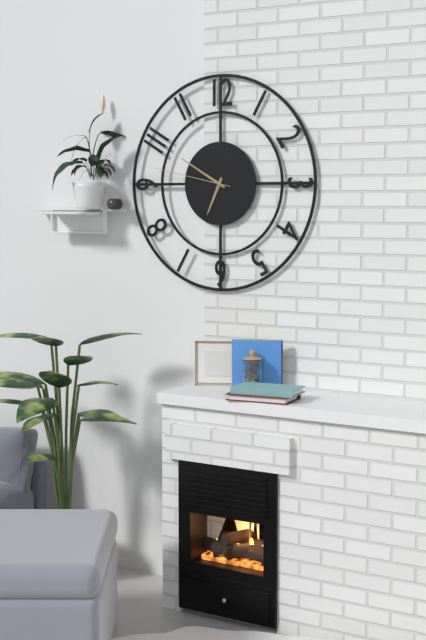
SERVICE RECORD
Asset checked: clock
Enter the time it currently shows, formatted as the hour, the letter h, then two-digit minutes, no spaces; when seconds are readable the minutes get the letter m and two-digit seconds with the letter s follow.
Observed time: 6h50m47s
